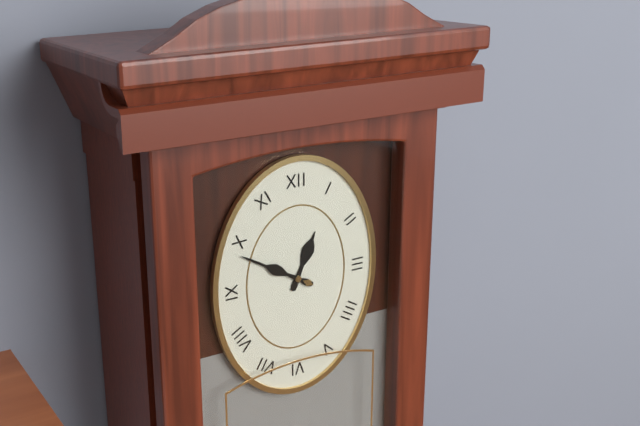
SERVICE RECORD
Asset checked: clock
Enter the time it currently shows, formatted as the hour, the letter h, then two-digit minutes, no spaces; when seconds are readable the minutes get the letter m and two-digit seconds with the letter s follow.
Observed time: 12h50
